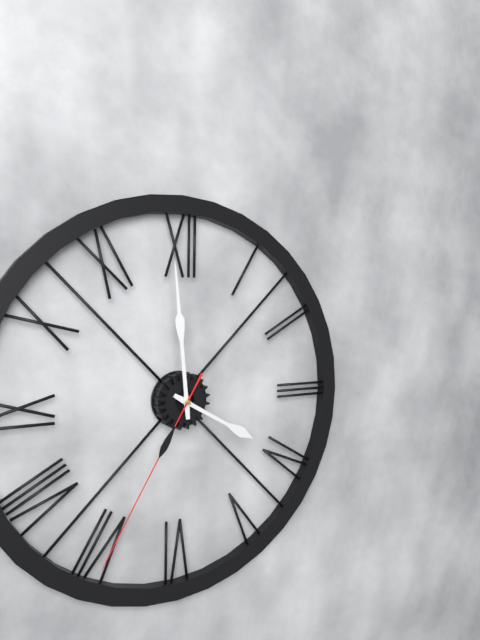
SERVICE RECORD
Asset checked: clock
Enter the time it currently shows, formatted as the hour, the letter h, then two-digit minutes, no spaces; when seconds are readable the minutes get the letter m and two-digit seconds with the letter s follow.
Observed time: 3h59m35s
